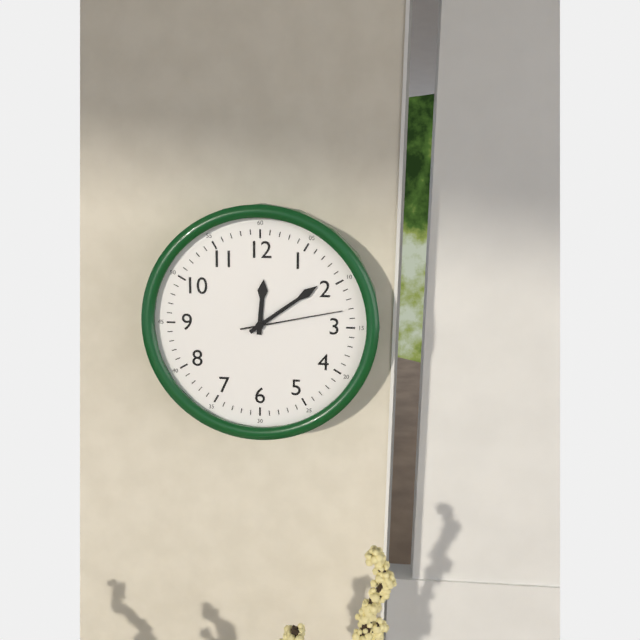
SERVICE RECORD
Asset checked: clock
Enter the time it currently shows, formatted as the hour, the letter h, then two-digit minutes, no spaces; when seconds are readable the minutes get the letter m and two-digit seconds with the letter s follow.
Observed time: 12h09m13s
